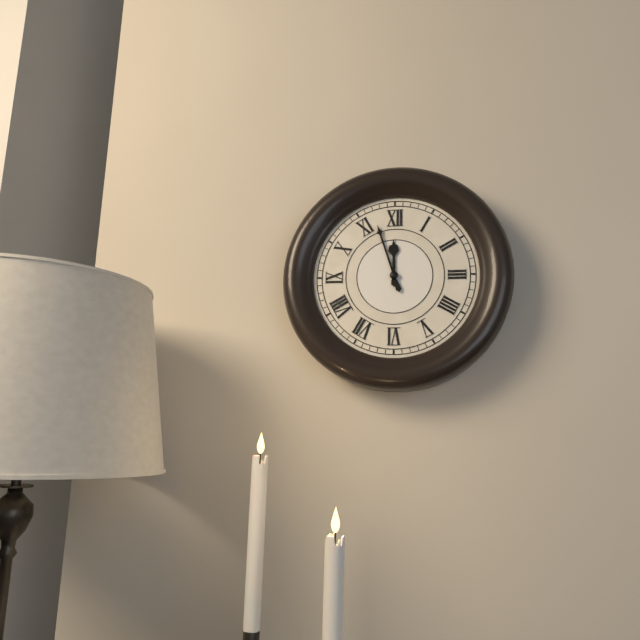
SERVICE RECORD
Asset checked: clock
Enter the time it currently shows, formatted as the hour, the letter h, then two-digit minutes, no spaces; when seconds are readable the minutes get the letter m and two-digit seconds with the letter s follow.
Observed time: 11h57
